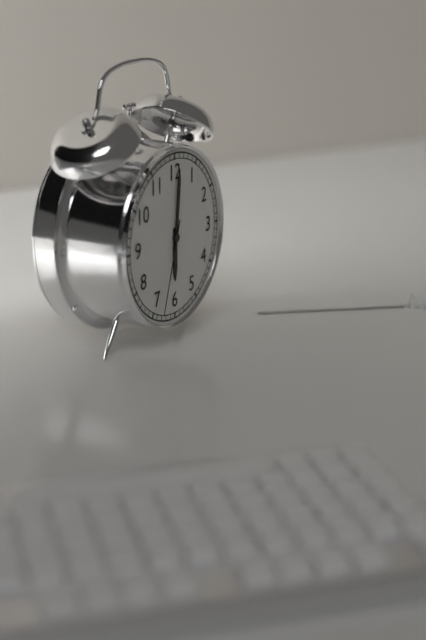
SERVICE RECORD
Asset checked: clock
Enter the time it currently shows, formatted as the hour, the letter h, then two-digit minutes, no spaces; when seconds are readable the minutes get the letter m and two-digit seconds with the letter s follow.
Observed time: 6h01m33s
